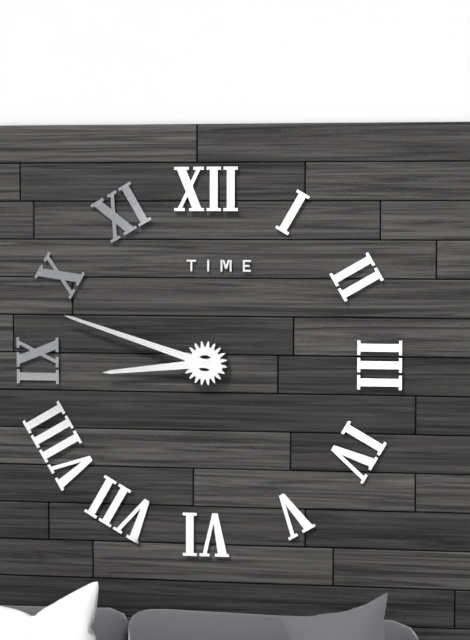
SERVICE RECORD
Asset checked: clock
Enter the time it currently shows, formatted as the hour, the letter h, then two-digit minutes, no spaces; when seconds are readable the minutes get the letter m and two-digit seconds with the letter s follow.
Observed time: 8h48
